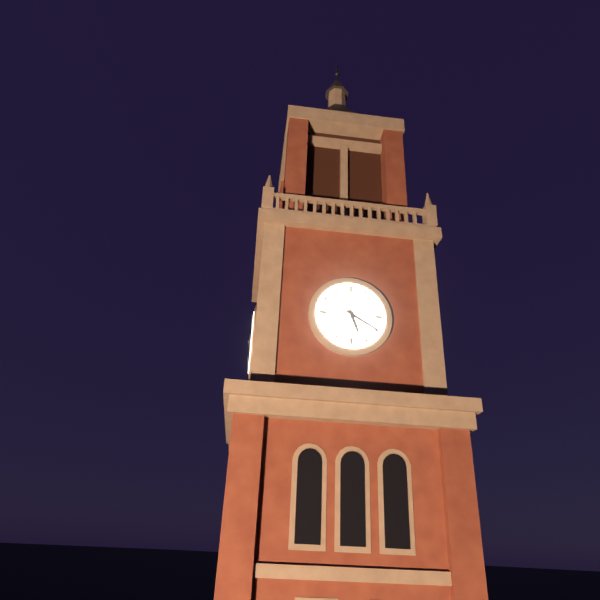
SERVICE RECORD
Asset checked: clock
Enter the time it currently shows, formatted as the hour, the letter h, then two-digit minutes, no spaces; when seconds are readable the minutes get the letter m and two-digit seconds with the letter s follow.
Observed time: 5h20
